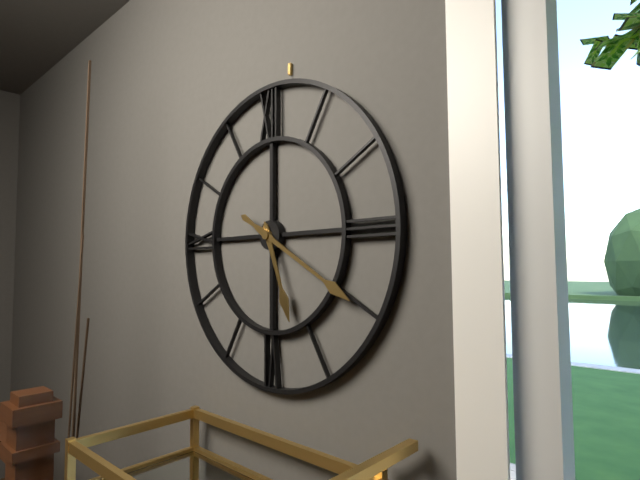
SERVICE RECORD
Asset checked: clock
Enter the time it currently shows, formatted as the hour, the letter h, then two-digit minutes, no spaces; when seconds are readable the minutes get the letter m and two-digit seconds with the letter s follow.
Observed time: 5h20
